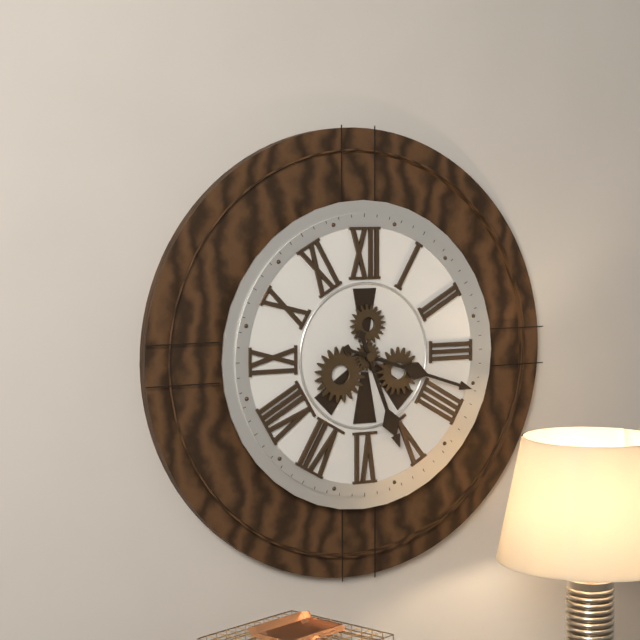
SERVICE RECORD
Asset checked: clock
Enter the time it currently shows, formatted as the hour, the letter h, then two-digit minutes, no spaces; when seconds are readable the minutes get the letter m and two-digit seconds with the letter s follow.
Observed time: 5h18
